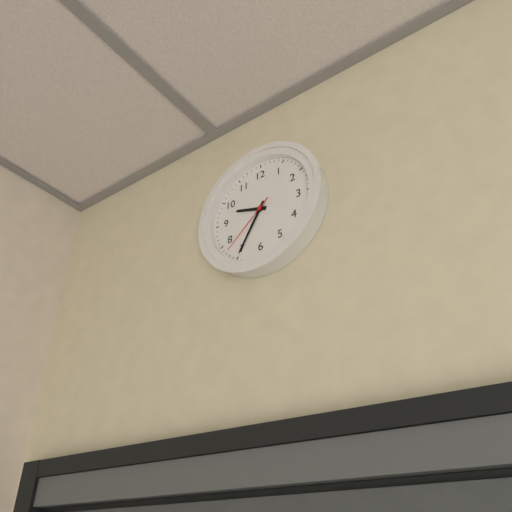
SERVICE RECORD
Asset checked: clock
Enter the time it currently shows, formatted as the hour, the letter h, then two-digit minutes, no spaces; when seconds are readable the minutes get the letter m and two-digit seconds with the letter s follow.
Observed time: 9h35m38s
